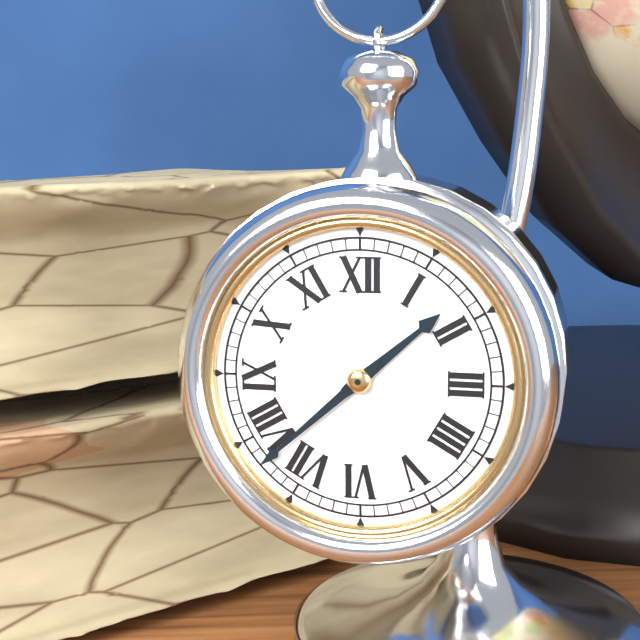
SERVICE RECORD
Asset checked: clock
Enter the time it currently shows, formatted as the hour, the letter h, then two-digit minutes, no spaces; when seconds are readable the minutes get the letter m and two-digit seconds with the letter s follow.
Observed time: 1h38
